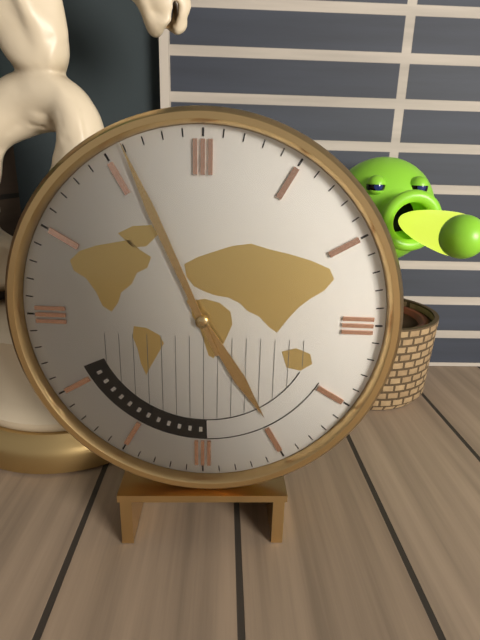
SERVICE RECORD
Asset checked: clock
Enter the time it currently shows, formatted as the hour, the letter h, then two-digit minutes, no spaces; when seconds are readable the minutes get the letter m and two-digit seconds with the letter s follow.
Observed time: 4h56
